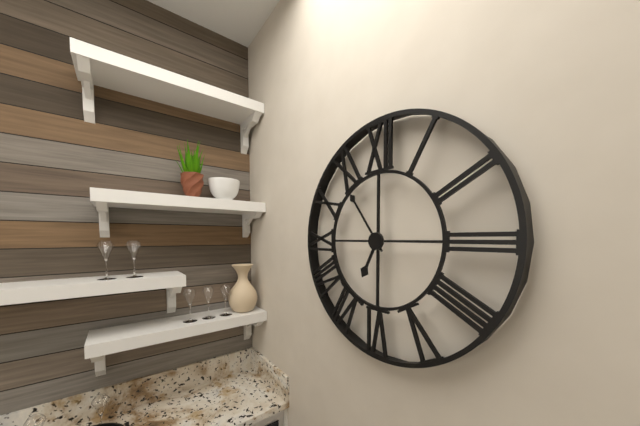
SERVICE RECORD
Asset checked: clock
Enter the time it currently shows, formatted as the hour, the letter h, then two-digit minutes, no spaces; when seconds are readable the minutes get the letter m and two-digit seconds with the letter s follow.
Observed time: 6h54
